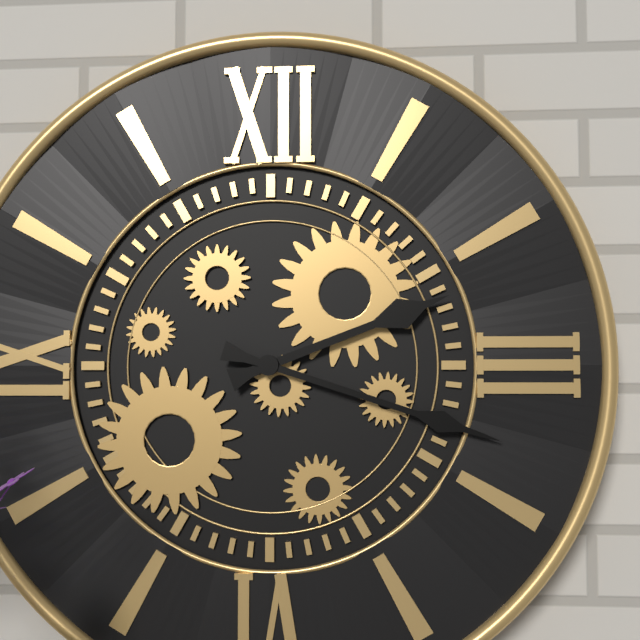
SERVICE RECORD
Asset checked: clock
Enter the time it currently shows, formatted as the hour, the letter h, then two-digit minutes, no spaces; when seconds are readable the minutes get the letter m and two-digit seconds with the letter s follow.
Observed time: 2h18
